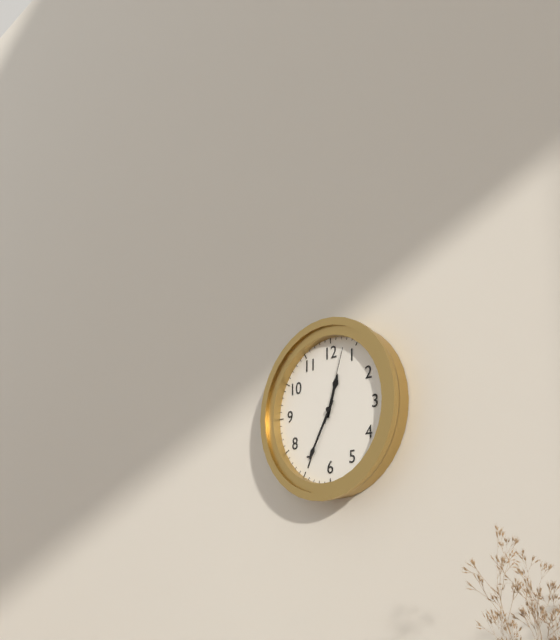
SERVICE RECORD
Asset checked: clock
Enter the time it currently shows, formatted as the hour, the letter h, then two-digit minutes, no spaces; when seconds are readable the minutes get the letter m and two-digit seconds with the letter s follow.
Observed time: 12h35m03s
